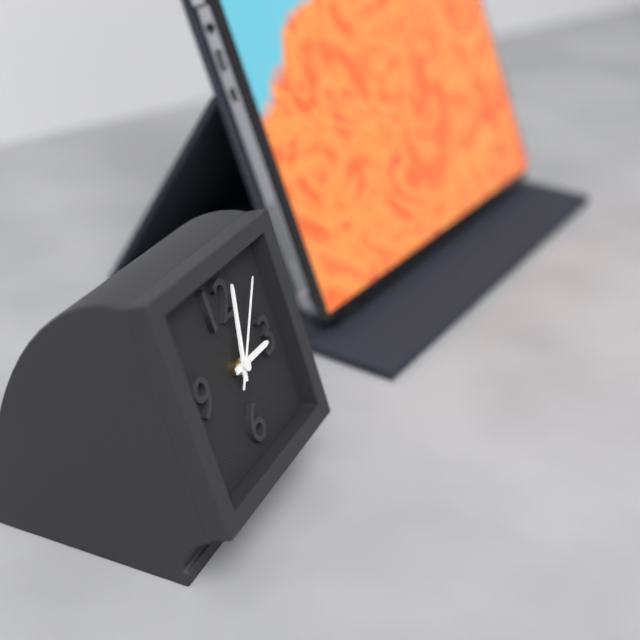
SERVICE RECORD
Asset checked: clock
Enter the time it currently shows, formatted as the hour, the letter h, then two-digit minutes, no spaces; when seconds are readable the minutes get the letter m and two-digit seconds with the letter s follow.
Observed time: 3h03m07s
